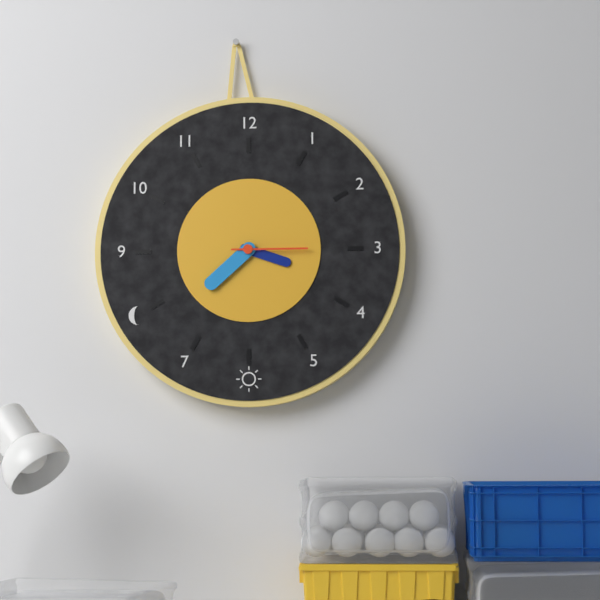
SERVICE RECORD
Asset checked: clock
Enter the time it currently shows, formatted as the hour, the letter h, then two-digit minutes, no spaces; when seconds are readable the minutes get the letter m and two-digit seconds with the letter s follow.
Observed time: 3h38m15s
